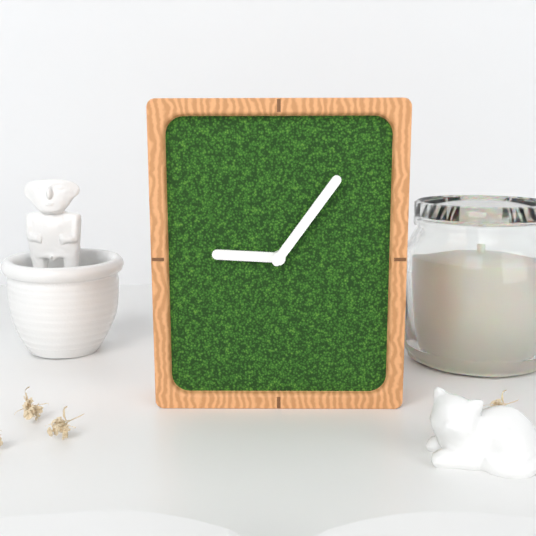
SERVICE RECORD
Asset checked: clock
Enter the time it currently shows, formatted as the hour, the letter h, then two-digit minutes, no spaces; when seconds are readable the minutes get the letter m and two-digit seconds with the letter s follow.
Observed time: 9h06
